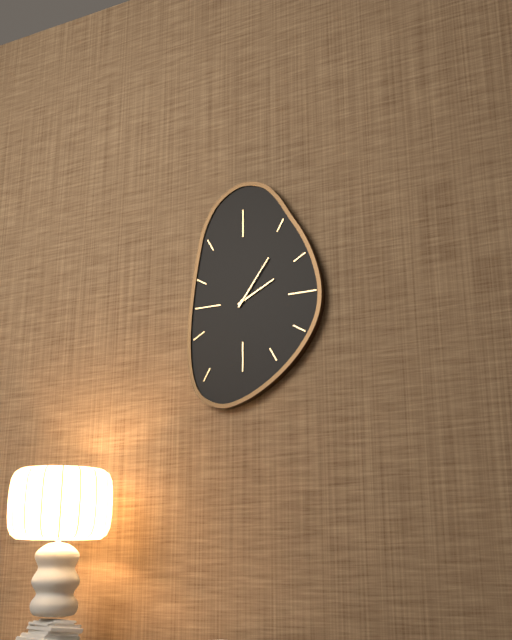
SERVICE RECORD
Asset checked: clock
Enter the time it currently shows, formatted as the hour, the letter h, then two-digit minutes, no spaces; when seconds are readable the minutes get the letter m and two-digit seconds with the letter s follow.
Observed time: 2h06
